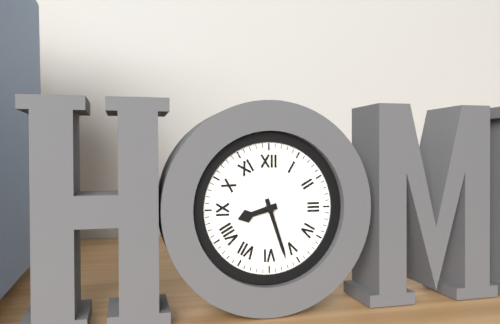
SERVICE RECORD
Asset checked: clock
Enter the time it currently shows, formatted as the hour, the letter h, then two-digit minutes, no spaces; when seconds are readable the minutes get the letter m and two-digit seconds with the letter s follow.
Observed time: 8h27
